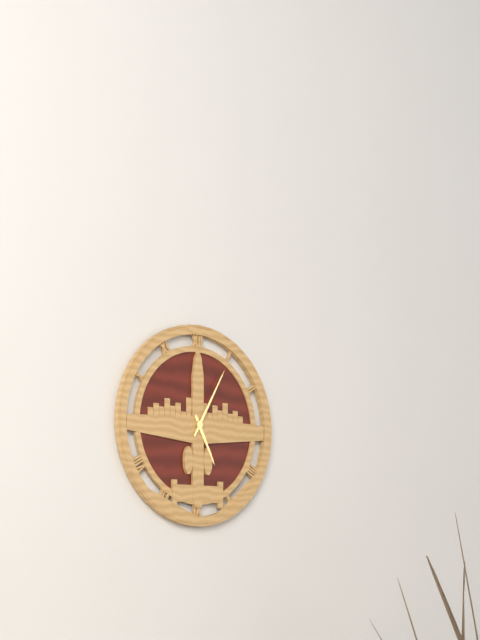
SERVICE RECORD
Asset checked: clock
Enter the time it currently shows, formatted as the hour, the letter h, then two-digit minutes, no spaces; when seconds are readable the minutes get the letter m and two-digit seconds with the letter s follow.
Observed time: 5h05
